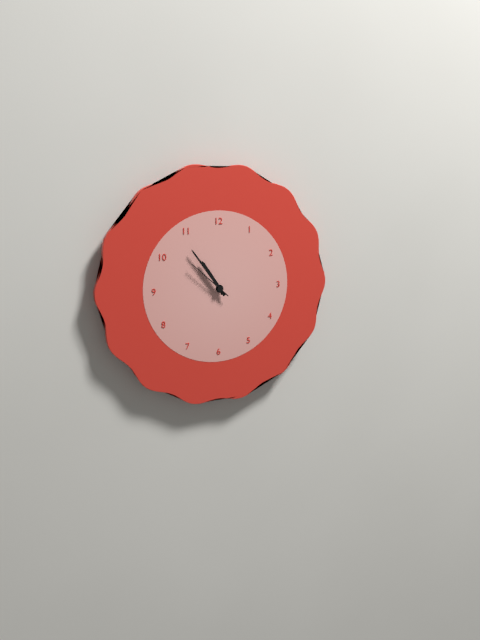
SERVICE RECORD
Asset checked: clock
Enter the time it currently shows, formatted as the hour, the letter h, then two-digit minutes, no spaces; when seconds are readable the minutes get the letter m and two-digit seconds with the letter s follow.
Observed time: 10h54
